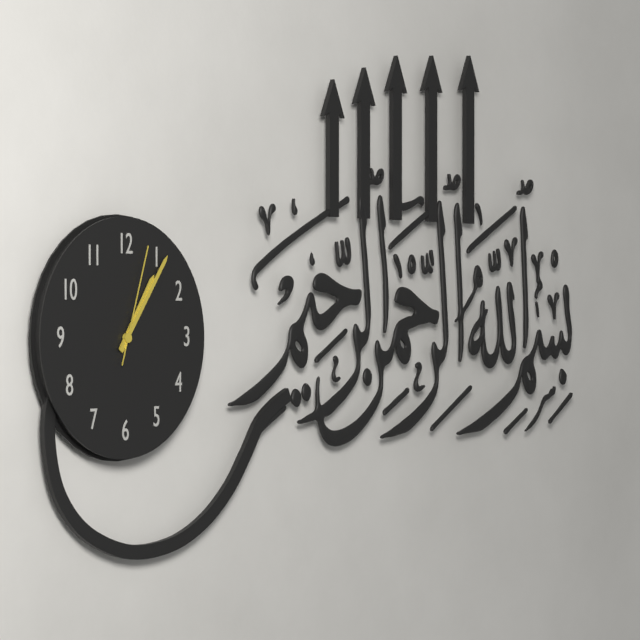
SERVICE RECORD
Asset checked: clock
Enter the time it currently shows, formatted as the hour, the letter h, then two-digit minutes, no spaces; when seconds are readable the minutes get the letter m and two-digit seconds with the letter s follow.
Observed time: 1h06m03s
